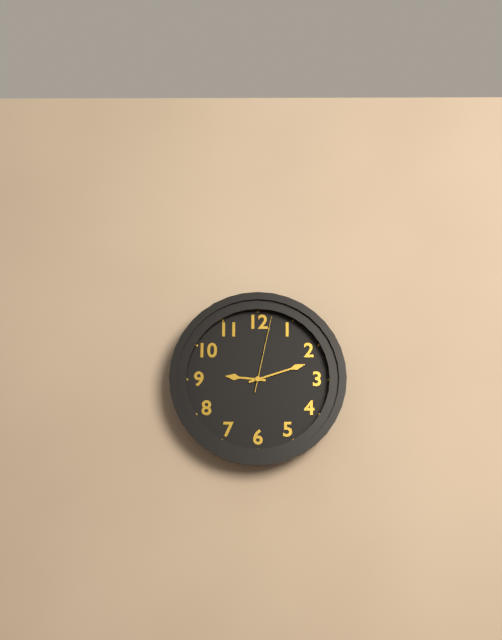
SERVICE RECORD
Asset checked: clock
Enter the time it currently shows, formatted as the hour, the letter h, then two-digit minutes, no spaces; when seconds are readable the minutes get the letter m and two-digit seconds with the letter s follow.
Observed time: 9h12m02s
